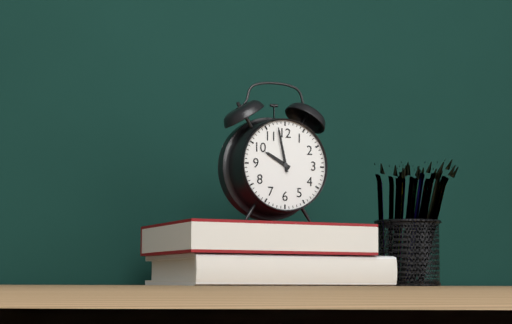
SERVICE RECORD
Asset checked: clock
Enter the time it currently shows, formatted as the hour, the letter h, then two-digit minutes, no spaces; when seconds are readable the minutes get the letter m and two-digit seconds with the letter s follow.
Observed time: 9h58
